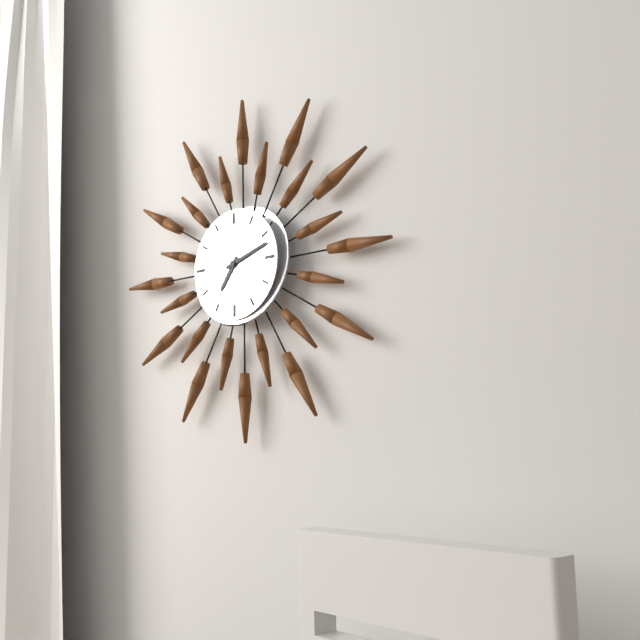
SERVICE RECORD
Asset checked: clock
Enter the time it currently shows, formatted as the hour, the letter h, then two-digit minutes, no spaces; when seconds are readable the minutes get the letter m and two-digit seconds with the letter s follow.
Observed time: 7h12
